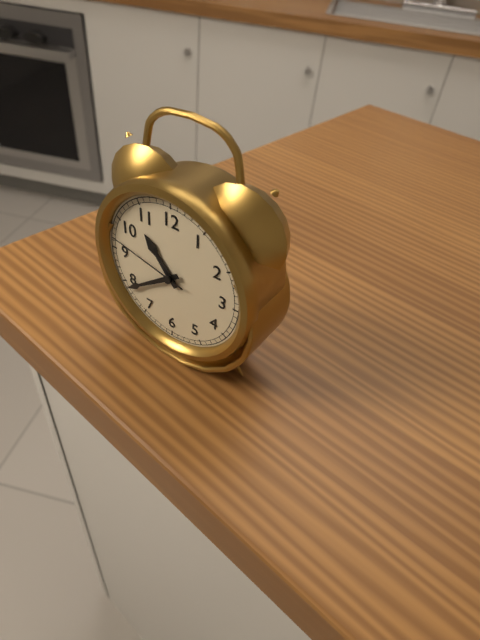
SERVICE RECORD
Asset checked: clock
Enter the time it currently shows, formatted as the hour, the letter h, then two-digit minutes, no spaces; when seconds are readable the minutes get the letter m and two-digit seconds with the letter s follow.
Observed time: 10h39m47s
